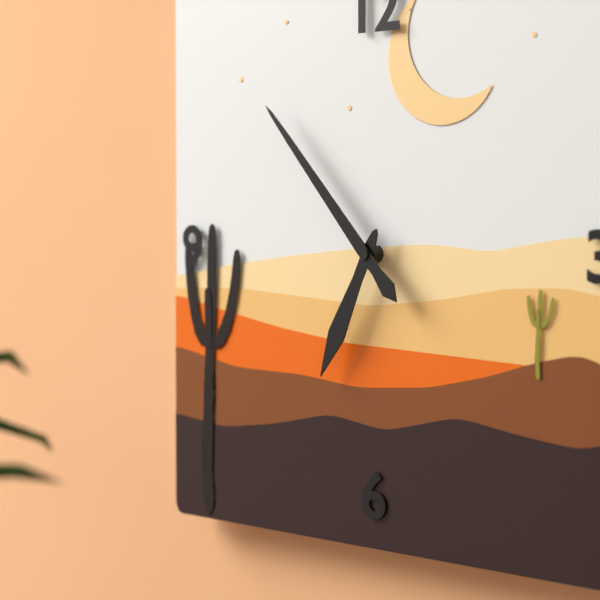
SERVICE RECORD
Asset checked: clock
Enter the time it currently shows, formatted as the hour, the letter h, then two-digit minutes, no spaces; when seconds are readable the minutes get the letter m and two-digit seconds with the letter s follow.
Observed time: 6h53
